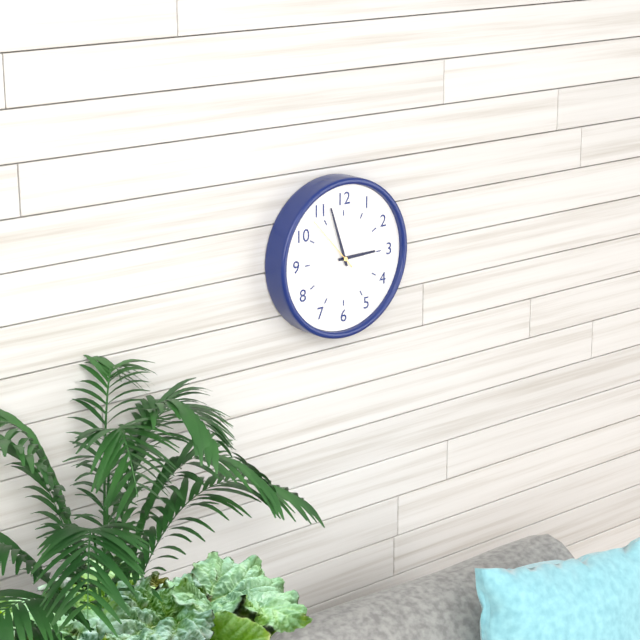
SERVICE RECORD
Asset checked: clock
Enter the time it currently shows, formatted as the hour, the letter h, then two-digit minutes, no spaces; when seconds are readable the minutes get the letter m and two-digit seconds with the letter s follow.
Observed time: 2h57m53s
